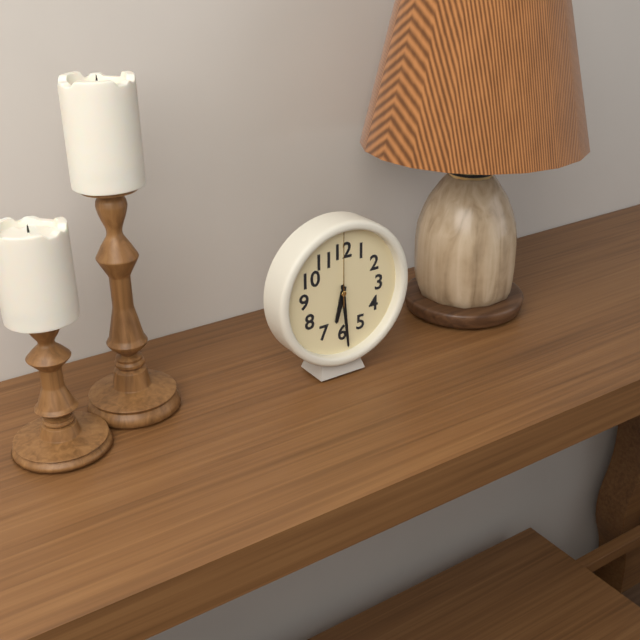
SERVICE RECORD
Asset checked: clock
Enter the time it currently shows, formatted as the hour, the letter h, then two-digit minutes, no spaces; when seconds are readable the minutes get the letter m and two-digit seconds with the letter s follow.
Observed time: 6h29m00s
